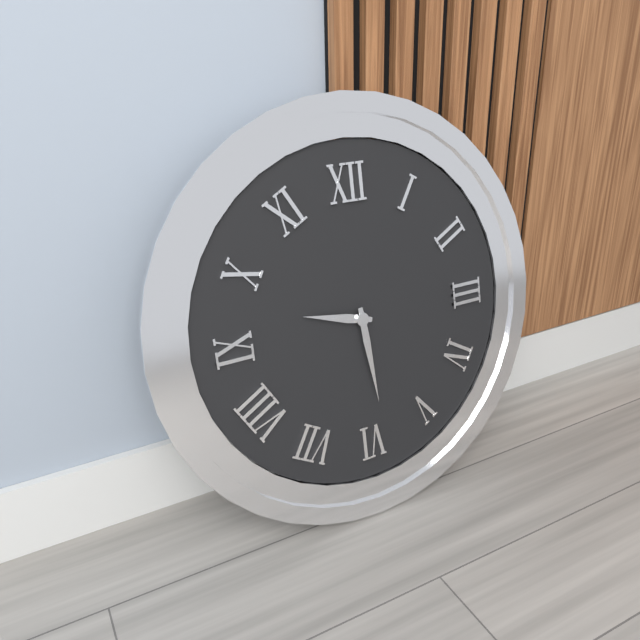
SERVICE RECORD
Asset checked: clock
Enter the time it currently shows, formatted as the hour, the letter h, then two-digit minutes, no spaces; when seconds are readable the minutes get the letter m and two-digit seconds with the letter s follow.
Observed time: 9h29
